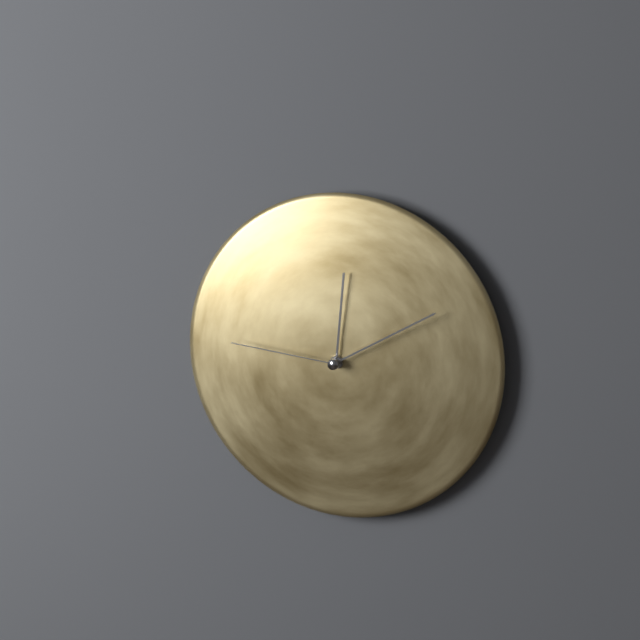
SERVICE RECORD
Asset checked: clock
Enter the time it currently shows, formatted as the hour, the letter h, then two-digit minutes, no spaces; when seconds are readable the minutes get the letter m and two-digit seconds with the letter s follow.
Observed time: 12h10m46s
